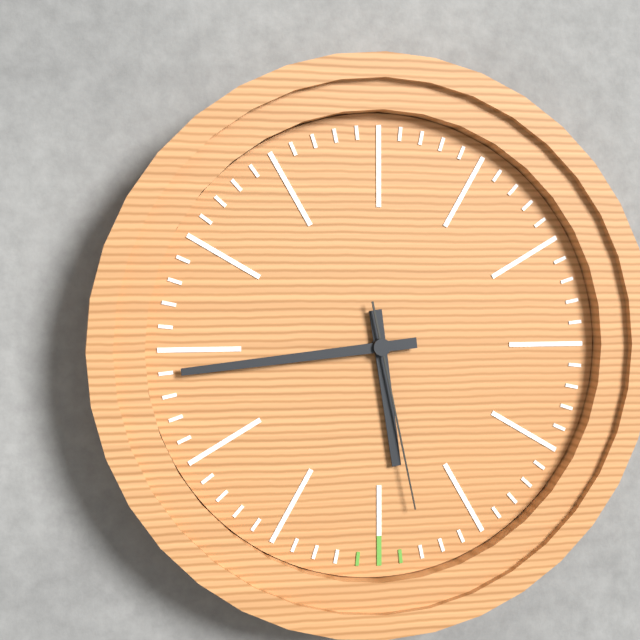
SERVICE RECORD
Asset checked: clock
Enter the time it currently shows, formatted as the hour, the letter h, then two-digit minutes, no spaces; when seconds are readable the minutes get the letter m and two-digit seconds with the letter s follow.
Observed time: 5h44m28s
